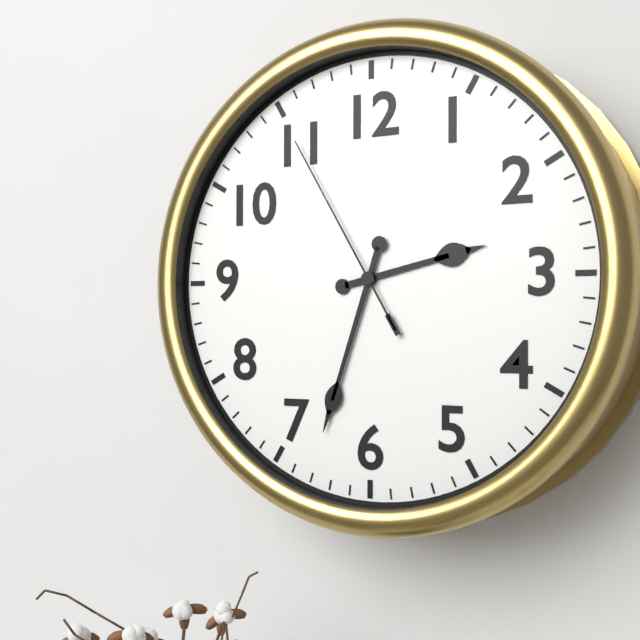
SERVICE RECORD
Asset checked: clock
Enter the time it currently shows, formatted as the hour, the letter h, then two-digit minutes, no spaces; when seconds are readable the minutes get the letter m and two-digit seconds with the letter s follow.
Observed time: 2h33m55s
